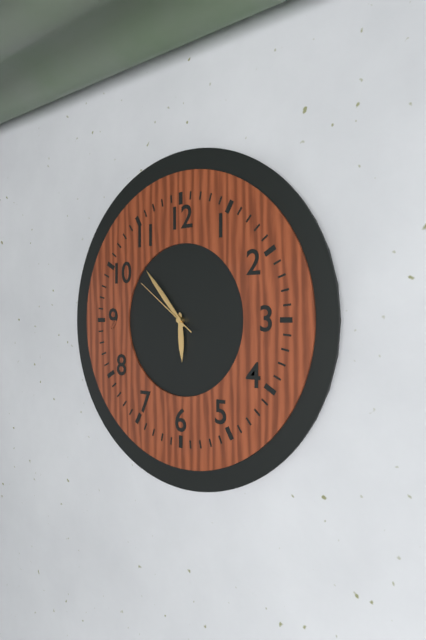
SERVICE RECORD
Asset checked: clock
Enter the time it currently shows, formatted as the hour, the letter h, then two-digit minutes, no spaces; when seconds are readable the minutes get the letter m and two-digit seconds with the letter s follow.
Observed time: 5h53m51s
